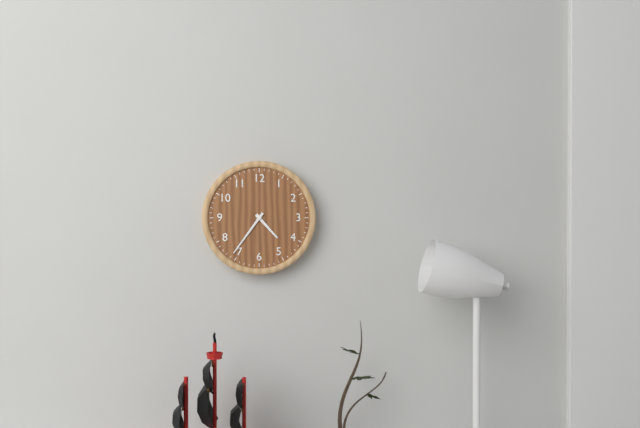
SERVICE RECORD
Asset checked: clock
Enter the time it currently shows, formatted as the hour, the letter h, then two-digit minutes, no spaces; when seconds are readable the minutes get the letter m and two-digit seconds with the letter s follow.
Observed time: 4h36
